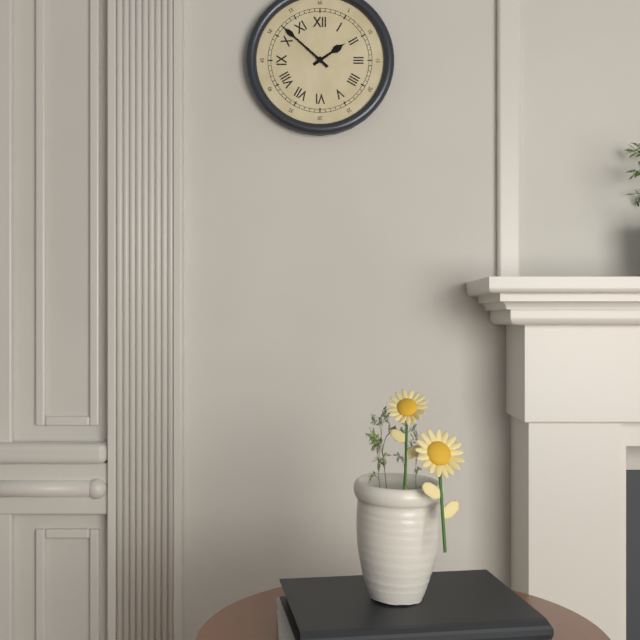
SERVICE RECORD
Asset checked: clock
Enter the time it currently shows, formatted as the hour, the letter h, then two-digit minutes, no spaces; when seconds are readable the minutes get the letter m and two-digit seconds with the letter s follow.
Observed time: 1h52
